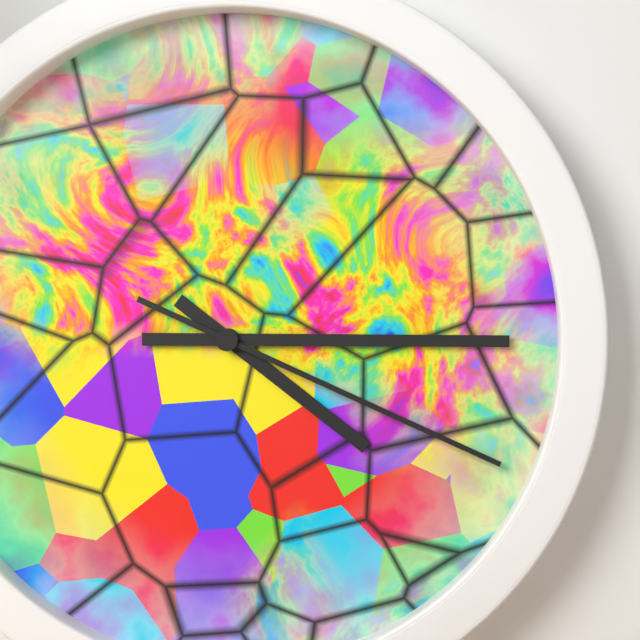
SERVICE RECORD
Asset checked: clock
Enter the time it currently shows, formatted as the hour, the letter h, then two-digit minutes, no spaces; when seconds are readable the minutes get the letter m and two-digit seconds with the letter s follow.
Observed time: 4h15m19s
